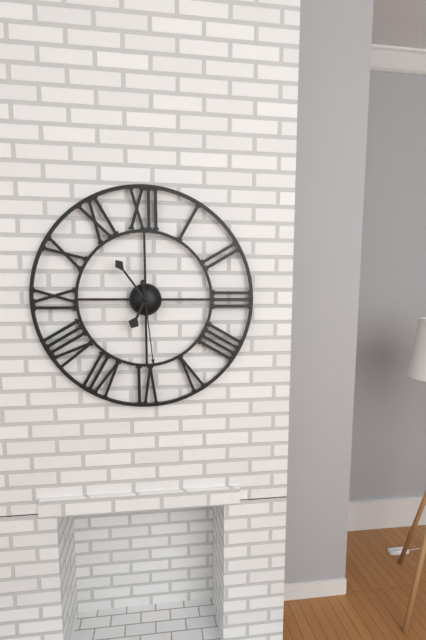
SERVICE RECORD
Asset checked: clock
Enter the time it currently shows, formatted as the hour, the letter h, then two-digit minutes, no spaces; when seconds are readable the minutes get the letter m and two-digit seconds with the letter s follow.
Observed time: 6h54m29s
